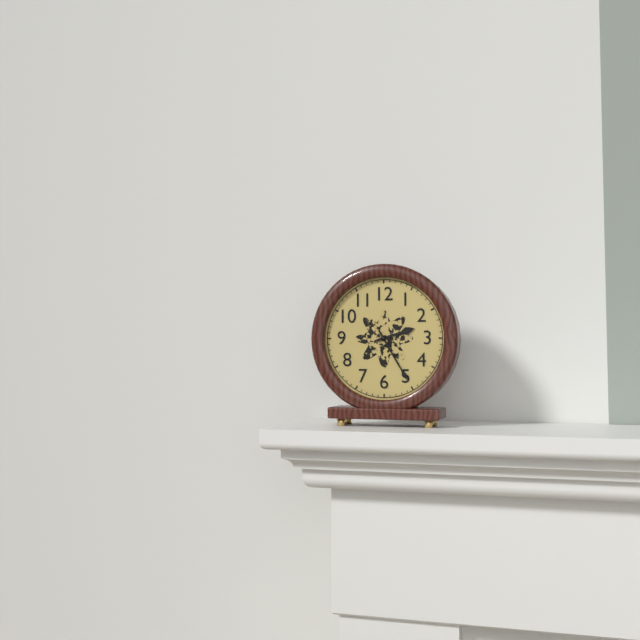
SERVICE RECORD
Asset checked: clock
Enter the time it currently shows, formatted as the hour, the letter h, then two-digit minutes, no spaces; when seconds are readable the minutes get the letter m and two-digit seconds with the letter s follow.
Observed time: 2h25
